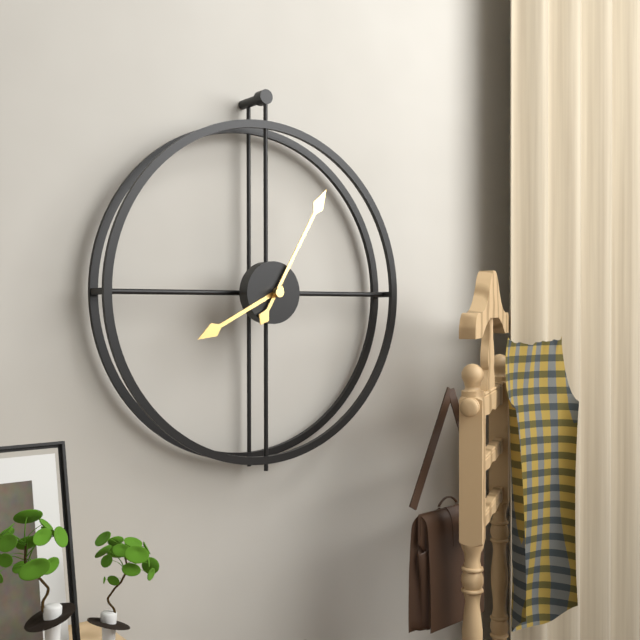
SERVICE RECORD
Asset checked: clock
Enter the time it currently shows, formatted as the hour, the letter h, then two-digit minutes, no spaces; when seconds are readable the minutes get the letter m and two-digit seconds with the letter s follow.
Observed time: 8h05
